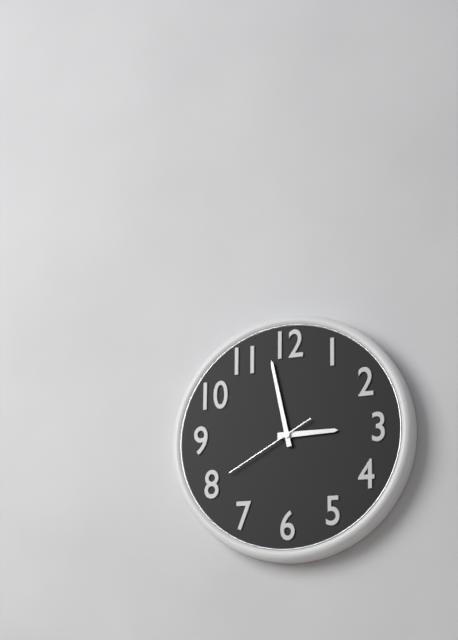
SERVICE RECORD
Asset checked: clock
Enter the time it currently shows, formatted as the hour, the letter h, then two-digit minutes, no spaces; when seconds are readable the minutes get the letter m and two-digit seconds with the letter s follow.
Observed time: 2h58m40s
